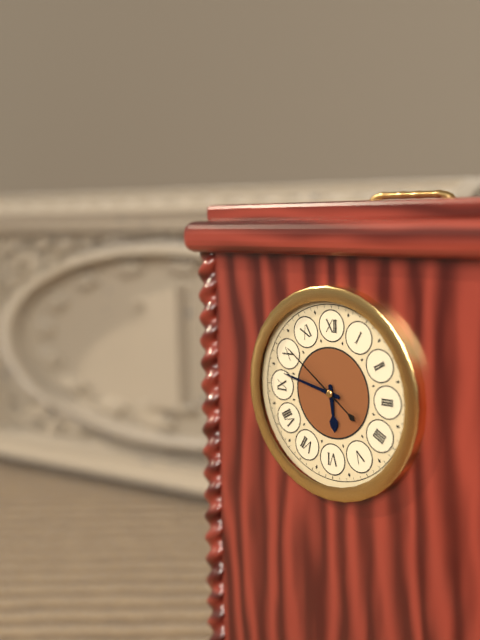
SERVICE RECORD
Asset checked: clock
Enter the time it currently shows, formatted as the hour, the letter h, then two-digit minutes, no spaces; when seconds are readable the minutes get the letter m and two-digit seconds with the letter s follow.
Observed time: 5h47m51s
